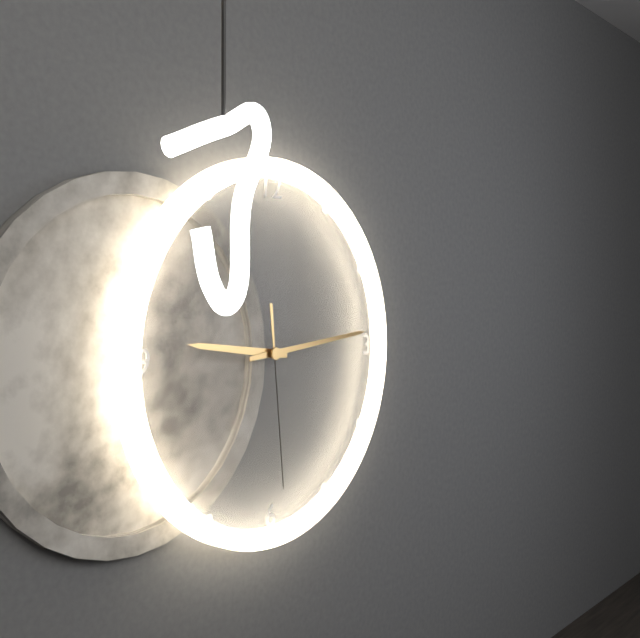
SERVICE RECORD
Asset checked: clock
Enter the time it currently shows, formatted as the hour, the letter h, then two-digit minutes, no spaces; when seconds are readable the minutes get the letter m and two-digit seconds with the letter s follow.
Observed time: 9h14m29s
